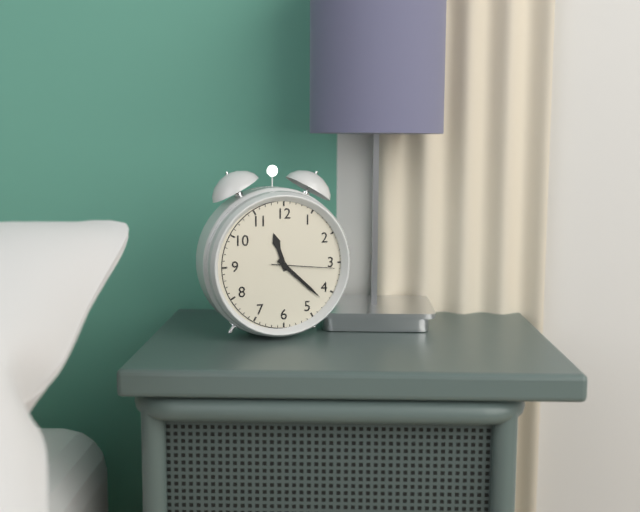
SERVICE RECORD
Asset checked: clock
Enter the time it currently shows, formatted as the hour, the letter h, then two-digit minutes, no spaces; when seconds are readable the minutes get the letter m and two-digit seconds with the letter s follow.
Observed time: 11h22m16s
